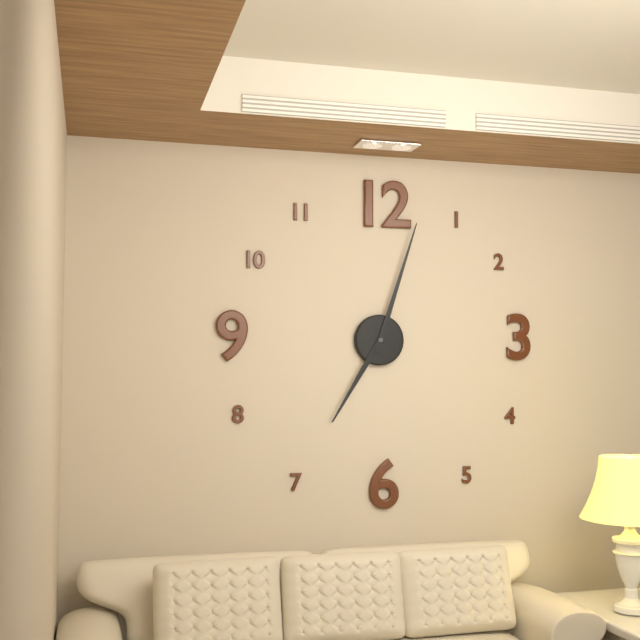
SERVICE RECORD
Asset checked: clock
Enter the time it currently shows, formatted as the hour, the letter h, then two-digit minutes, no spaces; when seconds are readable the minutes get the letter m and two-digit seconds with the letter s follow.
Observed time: 7h03
